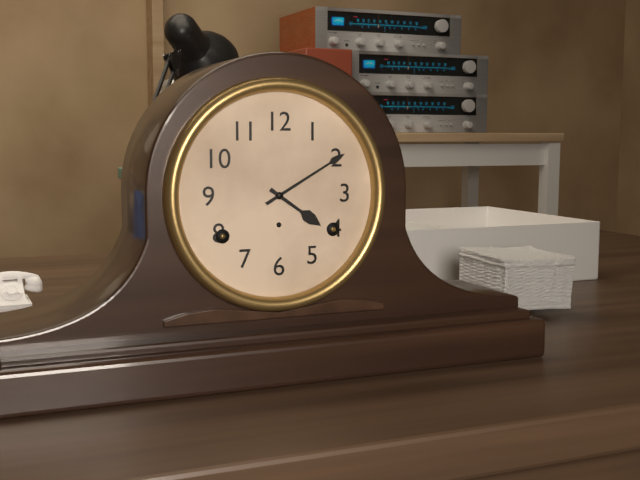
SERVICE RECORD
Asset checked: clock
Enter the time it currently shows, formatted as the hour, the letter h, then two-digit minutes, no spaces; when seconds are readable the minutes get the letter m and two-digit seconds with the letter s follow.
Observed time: 4h10
